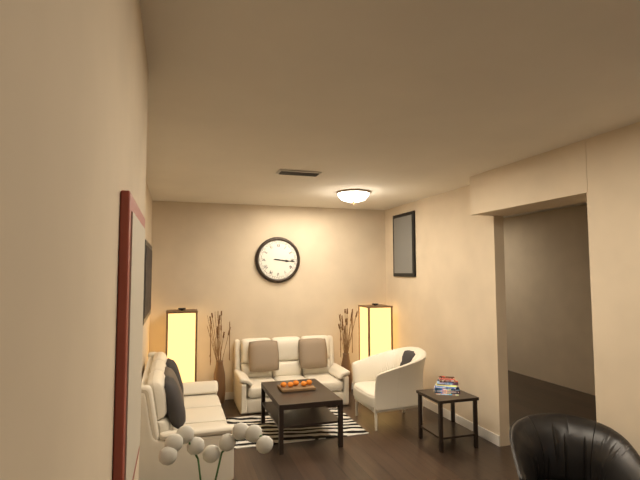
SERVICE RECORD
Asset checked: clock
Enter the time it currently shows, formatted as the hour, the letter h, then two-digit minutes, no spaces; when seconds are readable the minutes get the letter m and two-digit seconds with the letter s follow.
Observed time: 3h16
